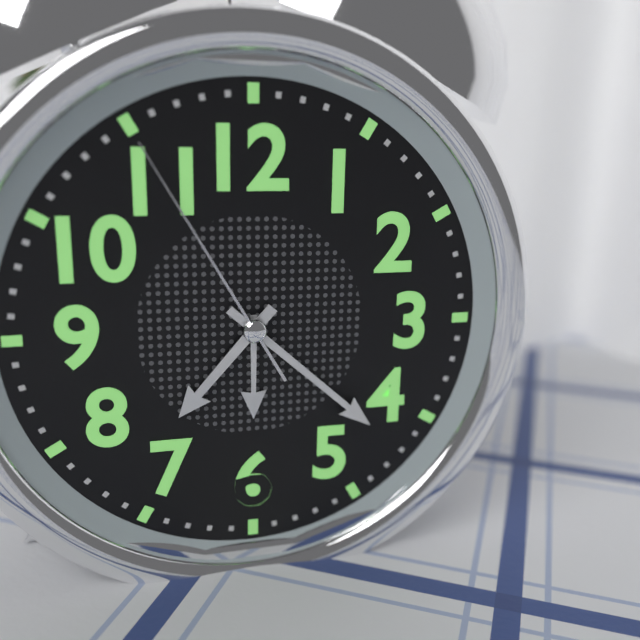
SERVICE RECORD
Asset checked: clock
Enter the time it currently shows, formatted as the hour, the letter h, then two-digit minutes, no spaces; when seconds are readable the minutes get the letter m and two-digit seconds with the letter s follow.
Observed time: 7h22m55s
